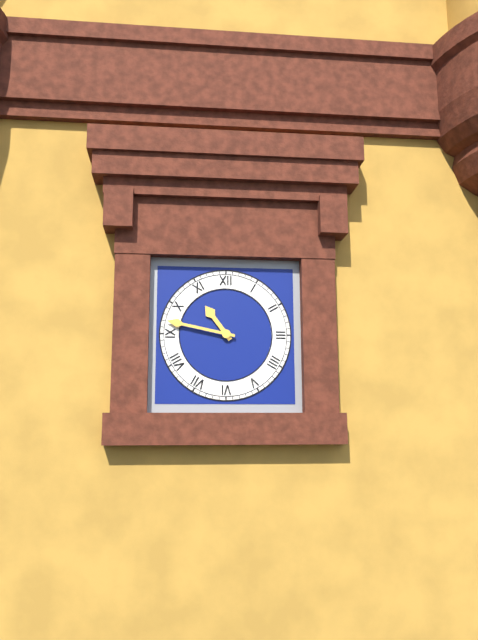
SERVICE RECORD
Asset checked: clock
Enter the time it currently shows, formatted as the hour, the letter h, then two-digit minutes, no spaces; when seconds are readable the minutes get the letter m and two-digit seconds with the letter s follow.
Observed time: 10h47
